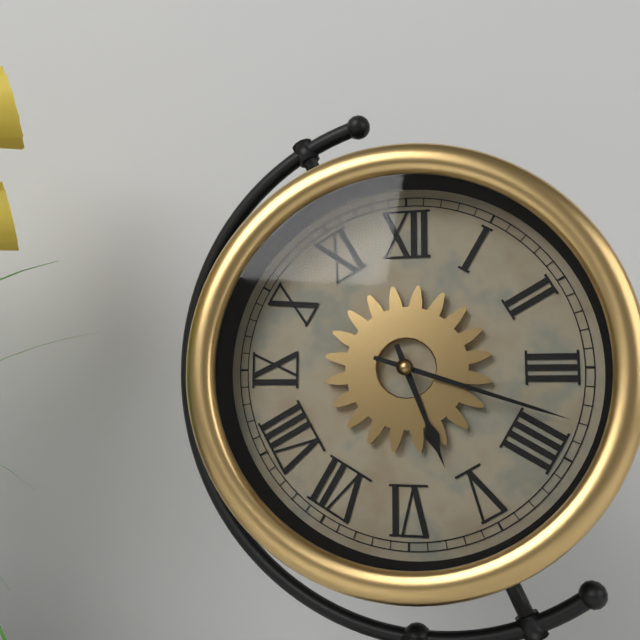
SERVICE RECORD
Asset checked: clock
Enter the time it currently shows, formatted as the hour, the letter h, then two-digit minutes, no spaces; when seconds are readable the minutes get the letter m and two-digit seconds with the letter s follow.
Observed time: 5h18
